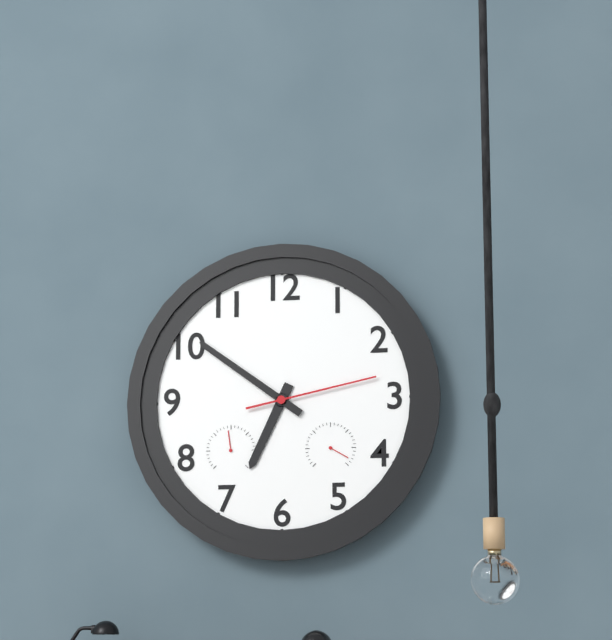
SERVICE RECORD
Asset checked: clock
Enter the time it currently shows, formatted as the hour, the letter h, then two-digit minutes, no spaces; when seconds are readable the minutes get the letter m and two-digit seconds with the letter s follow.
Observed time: 6h51m13s
